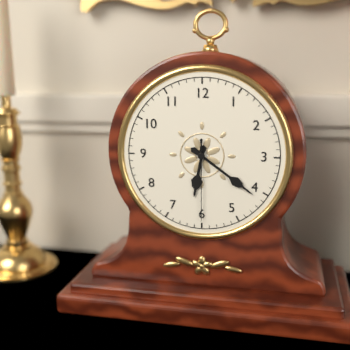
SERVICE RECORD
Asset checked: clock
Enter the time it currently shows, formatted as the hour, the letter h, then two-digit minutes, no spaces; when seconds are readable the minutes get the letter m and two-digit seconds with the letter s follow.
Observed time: 6h21m30s
